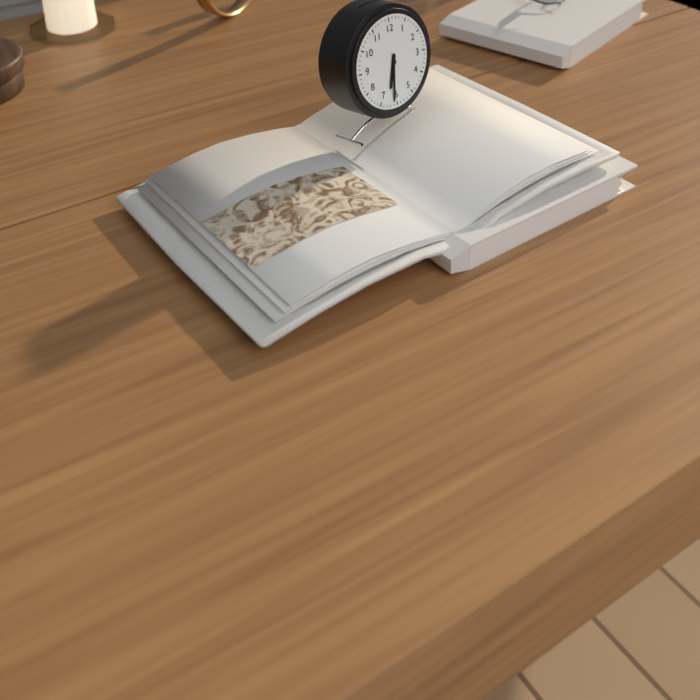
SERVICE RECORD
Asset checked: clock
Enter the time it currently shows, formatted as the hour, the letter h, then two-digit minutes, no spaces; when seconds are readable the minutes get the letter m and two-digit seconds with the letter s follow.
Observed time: 6h31
